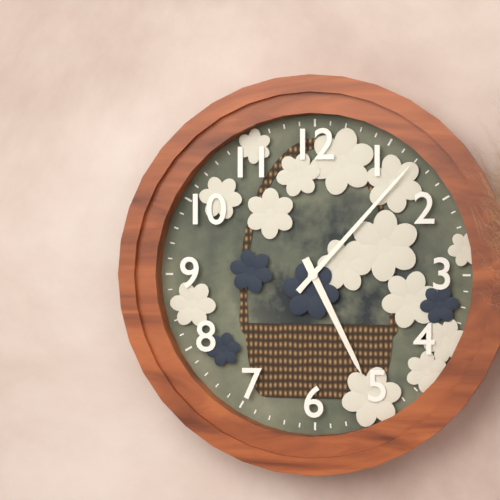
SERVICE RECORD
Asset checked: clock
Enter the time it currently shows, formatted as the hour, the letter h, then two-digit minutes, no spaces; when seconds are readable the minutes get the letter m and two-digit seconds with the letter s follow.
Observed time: 5h07
